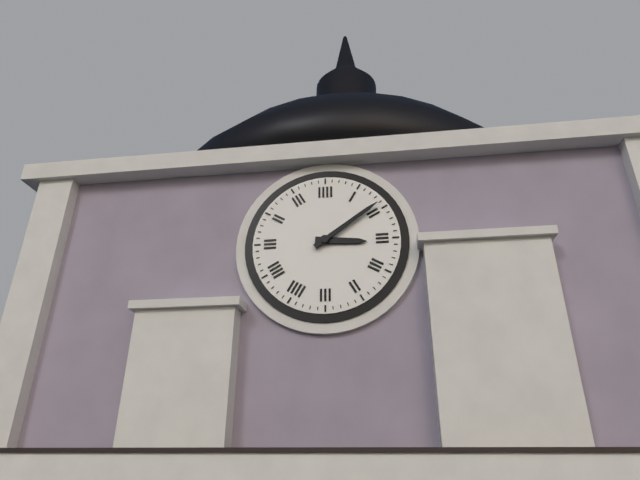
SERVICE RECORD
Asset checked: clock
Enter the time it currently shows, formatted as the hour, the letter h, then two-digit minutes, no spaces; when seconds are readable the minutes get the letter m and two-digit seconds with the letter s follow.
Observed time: 3h09
